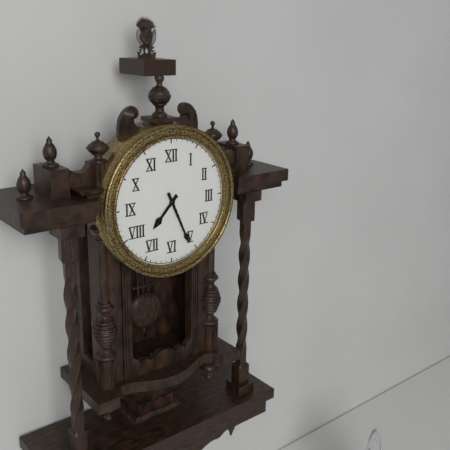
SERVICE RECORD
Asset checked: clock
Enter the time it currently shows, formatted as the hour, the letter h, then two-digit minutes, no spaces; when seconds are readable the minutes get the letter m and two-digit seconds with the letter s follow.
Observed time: 7h26
